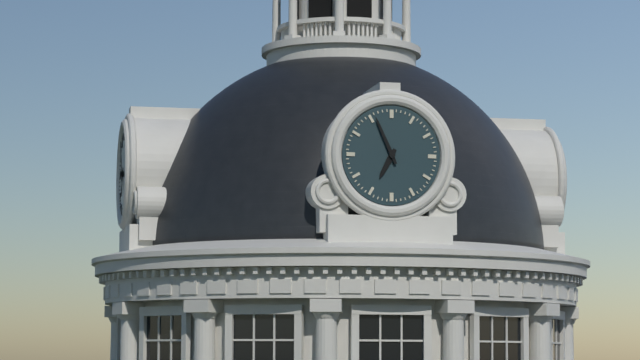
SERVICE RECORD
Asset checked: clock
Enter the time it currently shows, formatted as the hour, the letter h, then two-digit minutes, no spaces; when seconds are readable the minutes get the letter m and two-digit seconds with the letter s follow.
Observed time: 6h56
